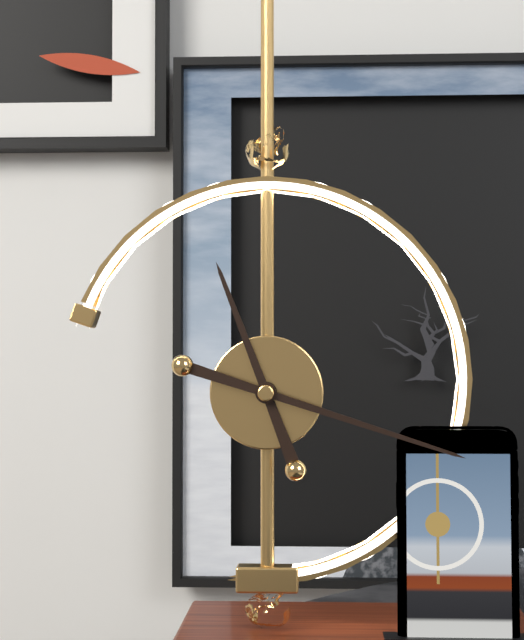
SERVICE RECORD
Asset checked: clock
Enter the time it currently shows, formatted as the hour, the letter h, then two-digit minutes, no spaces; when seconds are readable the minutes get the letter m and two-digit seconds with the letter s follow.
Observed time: 11h18
